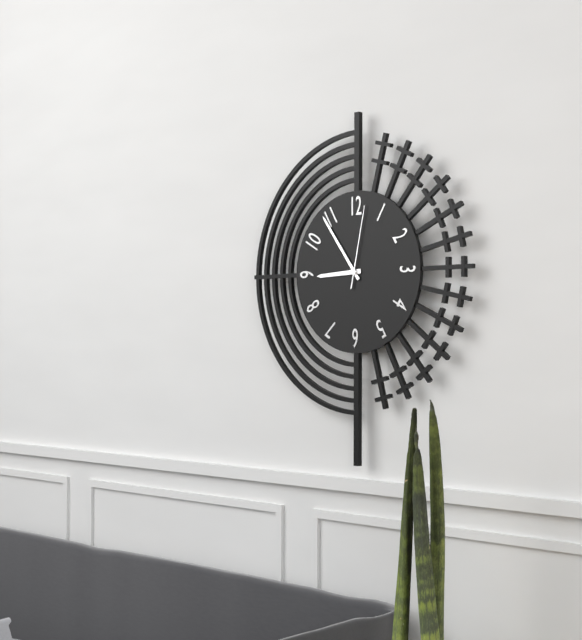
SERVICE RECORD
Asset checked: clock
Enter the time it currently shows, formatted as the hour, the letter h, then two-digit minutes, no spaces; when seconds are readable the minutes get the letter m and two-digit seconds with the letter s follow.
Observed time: 8h54m02s
